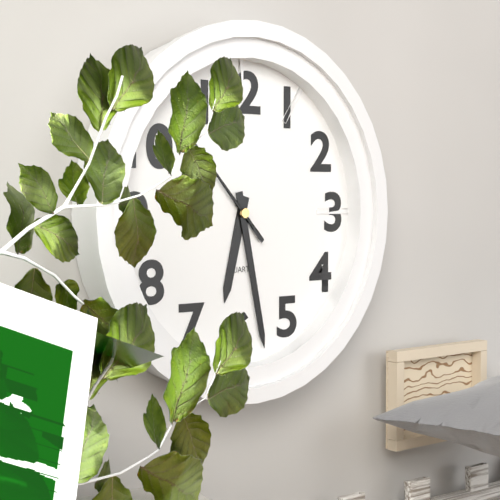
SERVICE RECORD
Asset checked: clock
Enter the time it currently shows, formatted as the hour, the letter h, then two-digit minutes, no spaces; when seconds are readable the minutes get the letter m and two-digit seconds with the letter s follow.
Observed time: 6h28m53s
